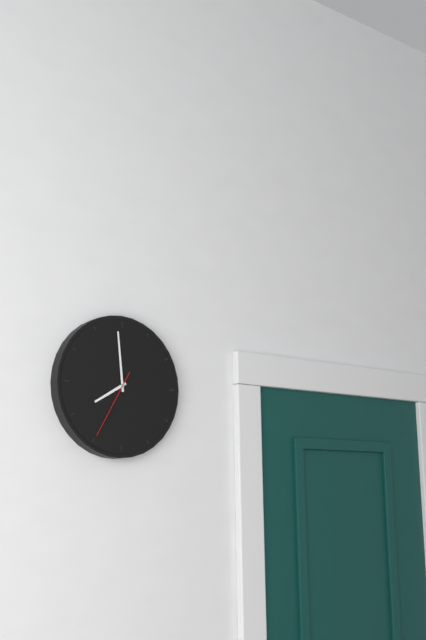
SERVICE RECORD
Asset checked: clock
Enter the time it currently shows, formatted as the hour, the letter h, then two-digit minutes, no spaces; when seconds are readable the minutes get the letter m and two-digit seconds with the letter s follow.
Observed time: 7h59m35s
